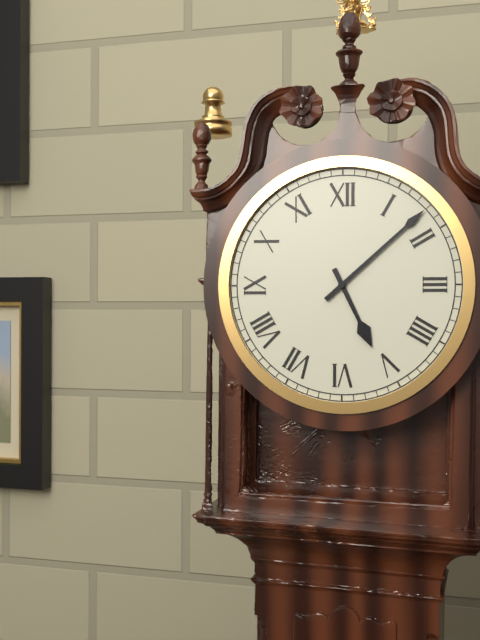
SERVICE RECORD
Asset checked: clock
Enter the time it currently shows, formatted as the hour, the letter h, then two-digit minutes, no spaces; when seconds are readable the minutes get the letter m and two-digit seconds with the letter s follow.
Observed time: 5h08
